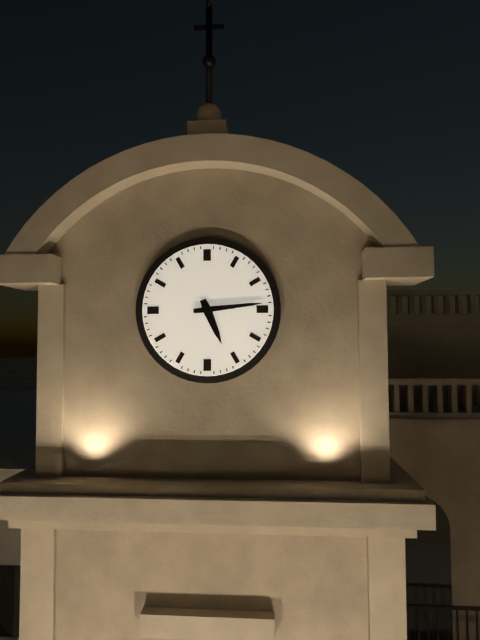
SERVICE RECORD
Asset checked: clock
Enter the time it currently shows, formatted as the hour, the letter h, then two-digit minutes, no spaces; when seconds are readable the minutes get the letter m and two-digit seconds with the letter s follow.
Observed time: 5h14
